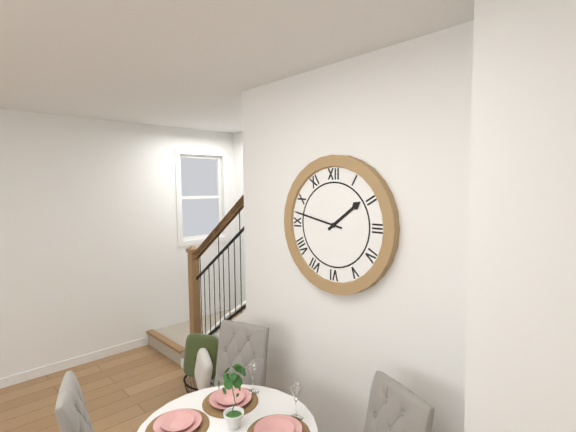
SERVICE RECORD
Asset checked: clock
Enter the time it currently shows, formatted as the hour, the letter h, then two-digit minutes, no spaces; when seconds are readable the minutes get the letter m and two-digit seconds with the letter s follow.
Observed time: 1h47
